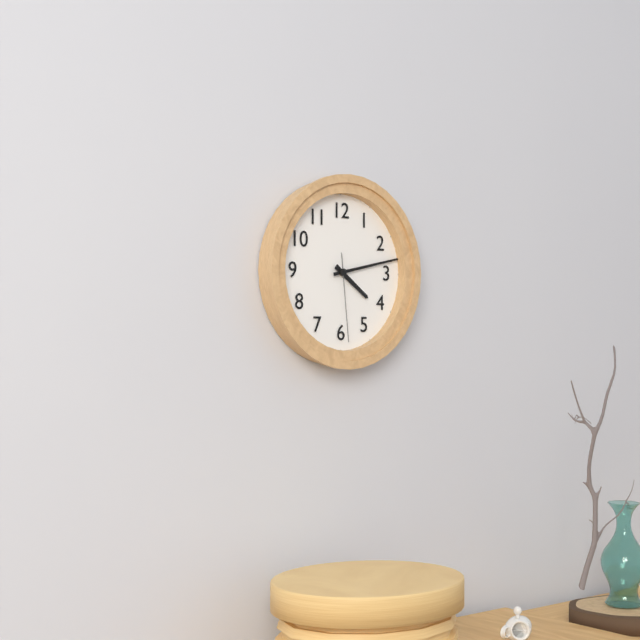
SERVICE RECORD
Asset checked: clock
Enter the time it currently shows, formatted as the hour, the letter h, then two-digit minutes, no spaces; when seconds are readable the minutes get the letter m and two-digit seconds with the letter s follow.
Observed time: 4h13m29s
